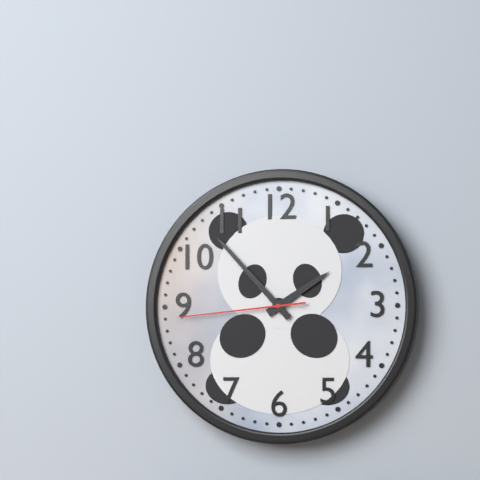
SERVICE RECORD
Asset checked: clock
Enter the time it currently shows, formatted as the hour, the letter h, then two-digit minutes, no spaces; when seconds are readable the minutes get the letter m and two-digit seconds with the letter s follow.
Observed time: 1h53m44s
